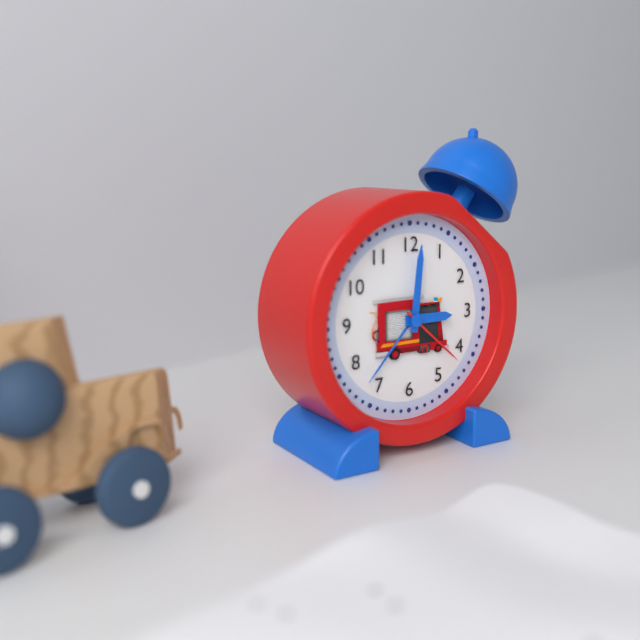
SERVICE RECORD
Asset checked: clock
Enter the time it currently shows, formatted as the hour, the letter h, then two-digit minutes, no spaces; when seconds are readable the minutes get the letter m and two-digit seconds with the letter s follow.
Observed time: 3h01m22s
